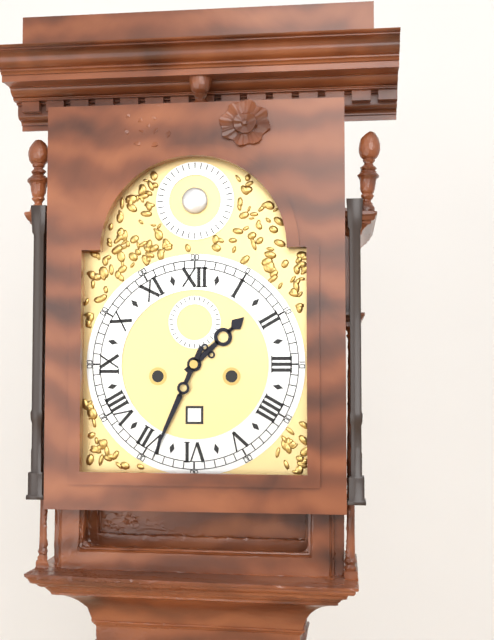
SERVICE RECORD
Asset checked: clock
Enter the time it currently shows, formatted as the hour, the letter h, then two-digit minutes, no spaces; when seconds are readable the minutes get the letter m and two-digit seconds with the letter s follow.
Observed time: 1h34
